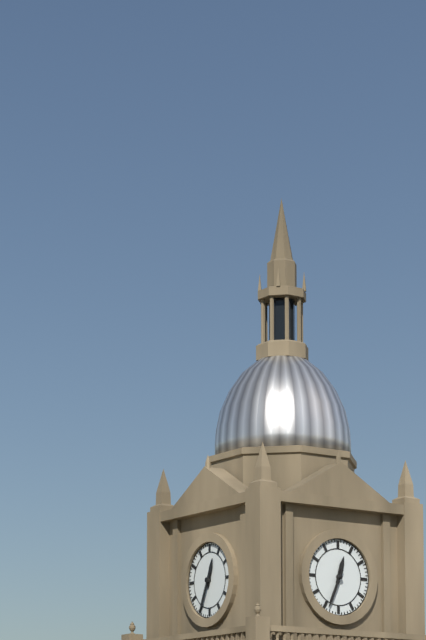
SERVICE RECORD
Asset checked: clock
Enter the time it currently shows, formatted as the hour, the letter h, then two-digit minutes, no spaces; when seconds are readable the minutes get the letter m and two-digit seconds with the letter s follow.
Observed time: 12h34
